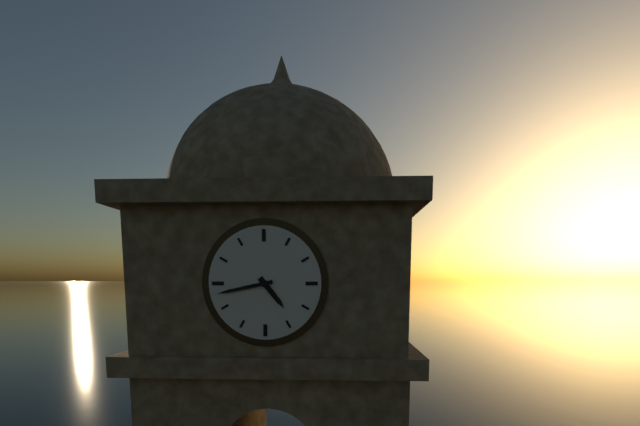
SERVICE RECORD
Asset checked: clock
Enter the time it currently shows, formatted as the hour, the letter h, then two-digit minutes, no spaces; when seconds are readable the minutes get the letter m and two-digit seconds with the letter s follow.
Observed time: 4h43
